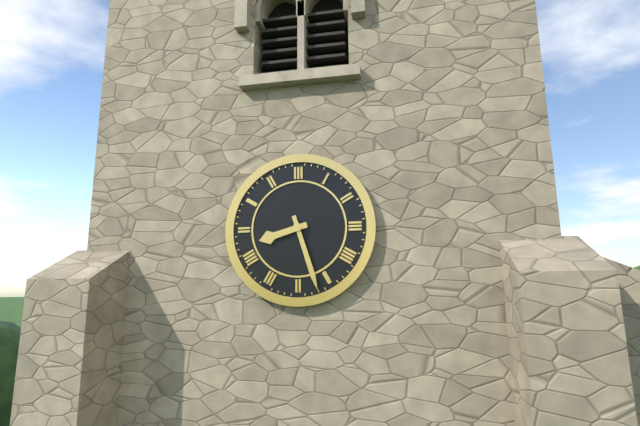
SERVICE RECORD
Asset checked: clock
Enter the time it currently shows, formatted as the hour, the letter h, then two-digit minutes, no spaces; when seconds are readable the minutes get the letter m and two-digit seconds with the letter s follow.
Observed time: 8h27
